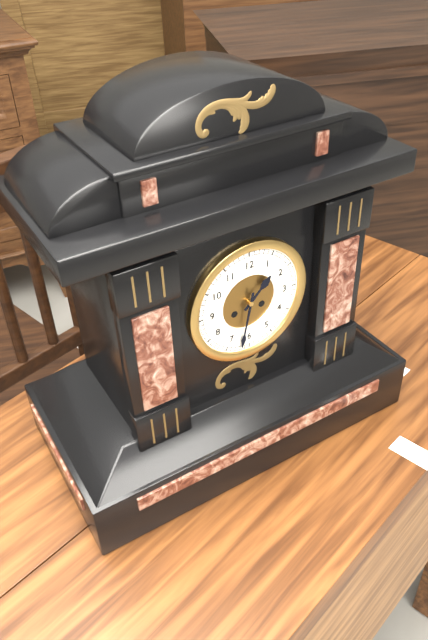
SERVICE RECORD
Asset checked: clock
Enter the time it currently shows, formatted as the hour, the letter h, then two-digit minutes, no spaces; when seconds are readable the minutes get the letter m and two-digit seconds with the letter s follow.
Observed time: 1h32
